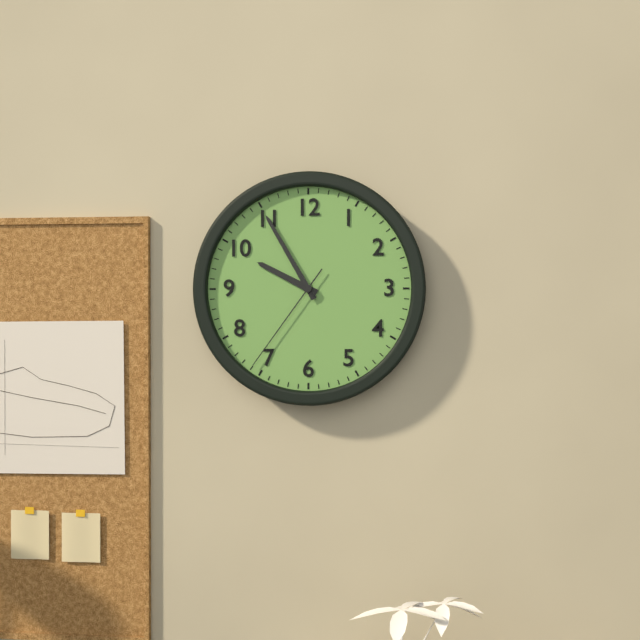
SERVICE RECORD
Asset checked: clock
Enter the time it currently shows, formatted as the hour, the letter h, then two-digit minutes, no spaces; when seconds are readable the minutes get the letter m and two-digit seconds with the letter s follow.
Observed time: 9h55m36s
